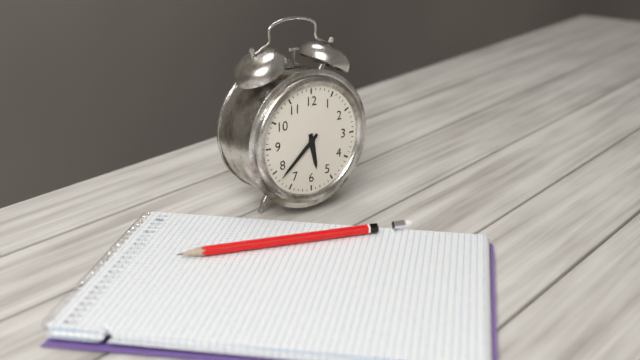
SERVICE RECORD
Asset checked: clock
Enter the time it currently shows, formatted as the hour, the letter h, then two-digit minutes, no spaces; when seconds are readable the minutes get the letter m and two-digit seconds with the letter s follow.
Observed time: 5h38
